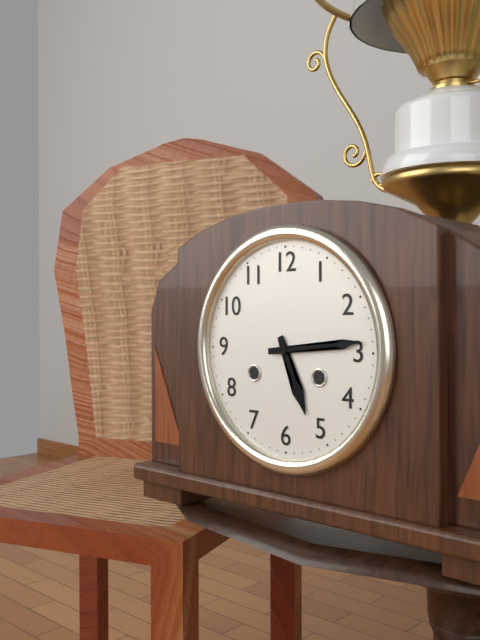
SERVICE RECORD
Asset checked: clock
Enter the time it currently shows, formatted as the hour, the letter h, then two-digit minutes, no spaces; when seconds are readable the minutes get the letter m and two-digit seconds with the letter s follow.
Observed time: 5h14
